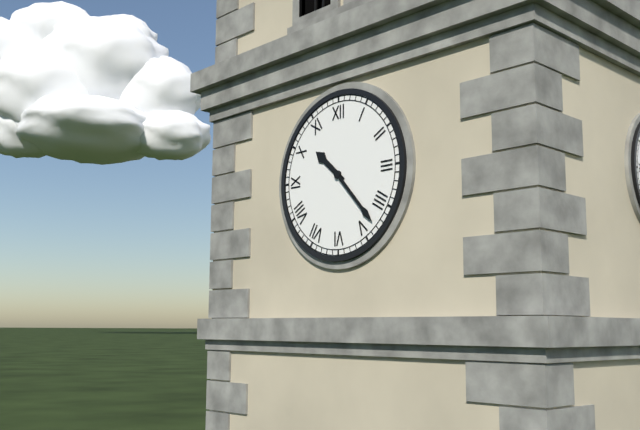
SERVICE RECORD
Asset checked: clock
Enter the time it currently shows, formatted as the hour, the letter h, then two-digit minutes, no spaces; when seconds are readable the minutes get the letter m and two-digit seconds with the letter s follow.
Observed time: 10h23
